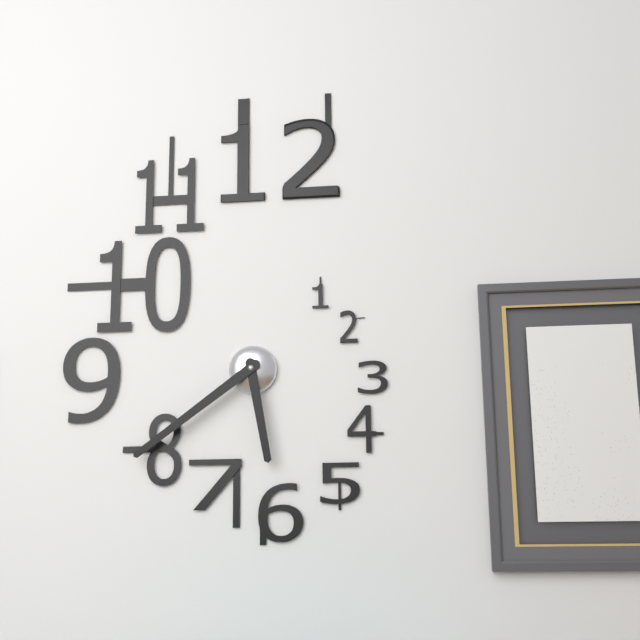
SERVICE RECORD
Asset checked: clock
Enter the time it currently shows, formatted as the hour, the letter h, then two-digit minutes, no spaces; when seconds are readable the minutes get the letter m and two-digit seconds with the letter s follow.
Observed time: 5h39
